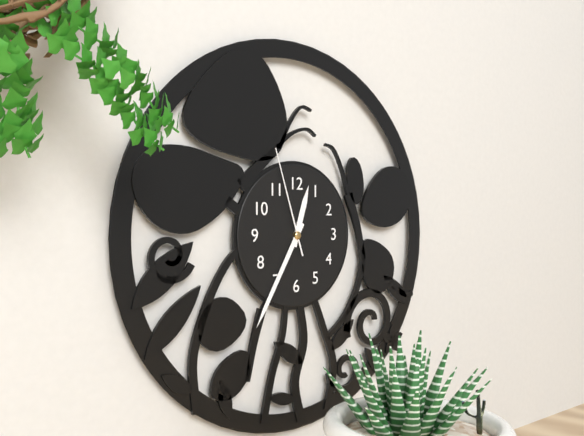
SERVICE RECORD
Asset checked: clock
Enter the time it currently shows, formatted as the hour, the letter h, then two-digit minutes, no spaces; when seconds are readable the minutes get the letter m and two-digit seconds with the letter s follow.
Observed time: 12h35m57s
